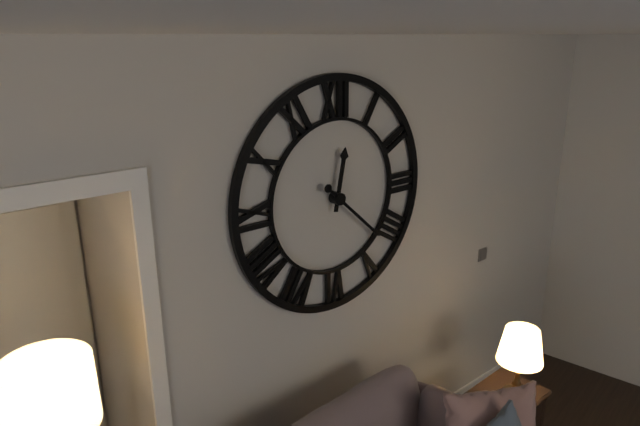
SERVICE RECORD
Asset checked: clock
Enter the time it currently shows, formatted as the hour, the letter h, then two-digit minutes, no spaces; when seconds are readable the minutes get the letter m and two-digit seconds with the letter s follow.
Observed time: 12h22
